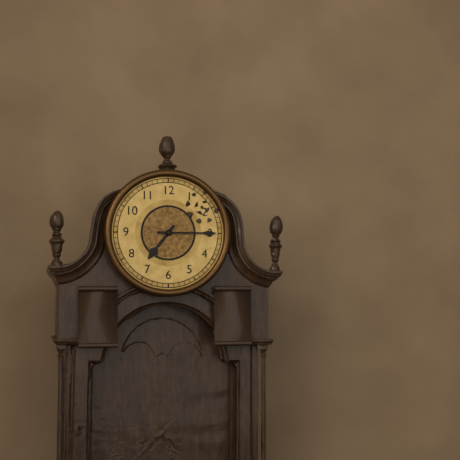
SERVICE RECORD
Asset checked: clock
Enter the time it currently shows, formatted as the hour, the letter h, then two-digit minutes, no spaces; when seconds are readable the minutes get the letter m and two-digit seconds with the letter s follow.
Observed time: 7h15
